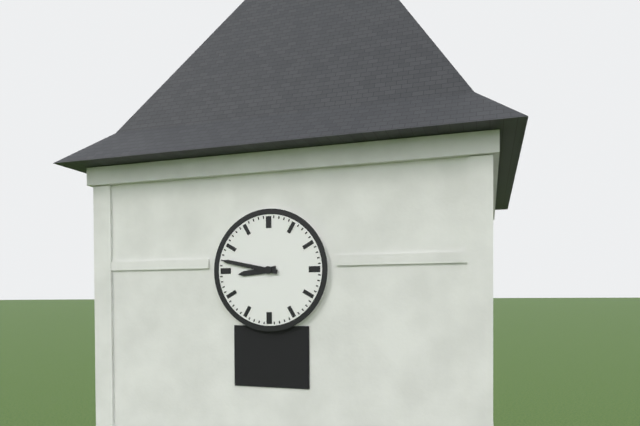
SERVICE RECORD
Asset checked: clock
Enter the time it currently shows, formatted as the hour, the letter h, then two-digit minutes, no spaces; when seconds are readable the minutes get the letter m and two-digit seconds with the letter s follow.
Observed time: 8h47
